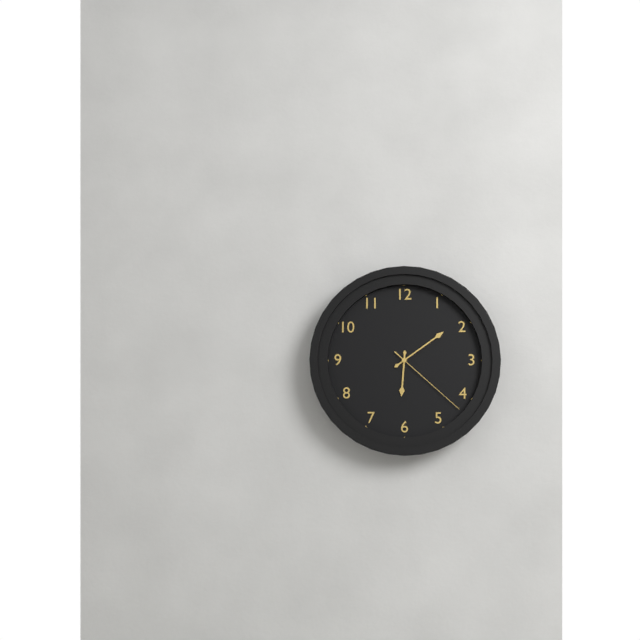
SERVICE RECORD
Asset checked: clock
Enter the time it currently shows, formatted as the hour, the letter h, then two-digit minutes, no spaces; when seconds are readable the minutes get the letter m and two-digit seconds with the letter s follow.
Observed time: 6h09m22s
